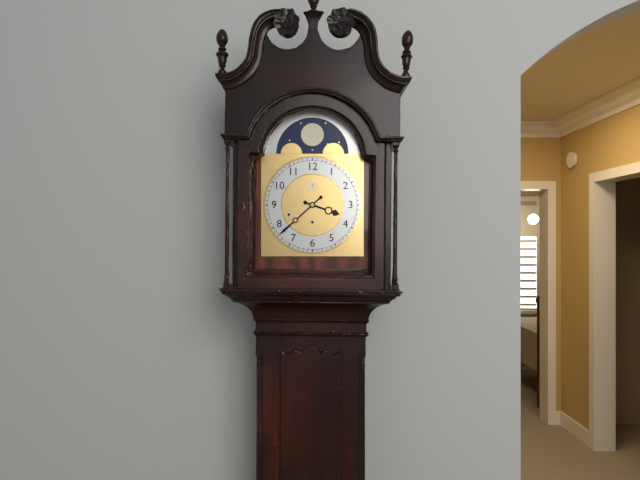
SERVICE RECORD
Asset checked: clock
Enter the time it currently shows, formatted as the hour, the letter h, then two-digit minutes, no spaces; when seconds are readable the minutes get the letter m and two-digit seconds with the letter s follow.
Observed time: 3h38
